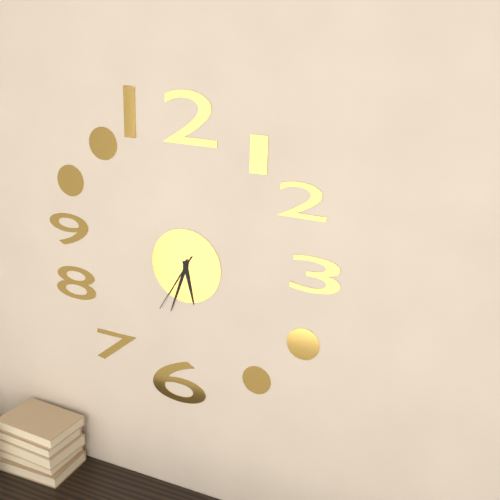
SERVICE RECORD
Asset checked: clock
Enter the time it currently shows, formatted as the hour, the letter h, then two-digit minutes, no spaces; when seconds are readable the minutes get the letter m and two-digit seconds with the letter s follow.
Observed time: 5h33m35s
